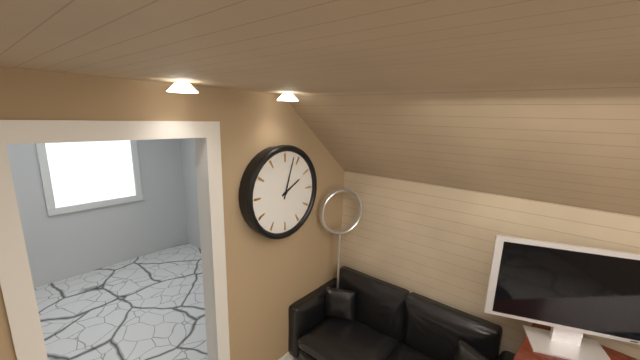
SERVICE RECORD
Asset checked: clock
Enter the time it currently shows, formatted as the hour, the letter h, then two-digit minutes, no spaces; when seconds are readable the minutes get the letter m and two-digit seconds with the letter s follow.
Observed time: 2h03
